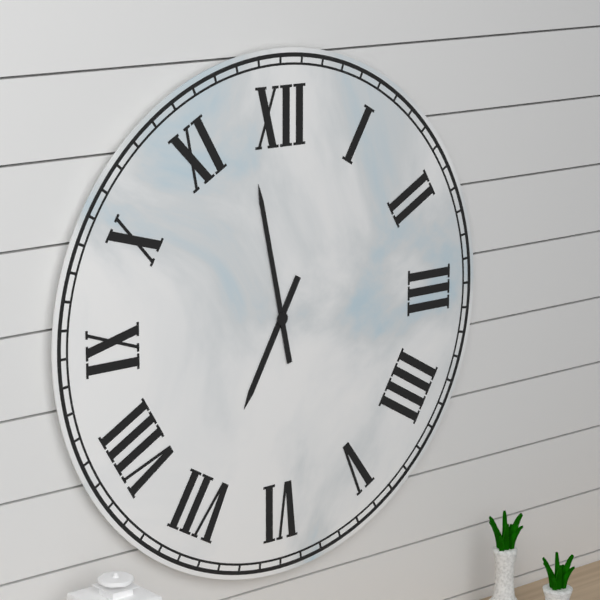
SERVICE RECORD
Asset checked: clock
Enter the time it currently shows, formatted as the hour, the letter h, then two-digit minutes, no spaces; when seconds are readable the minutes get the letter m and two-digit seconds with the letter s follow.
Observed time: 6h58
